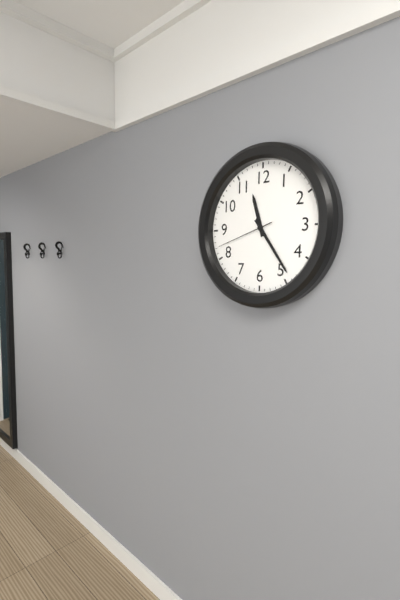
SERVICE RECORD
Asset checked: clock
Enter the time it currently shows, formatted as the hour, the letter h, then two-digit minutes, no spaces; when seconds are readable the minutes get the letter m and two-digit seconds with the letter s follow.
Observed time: 11h24m42s
